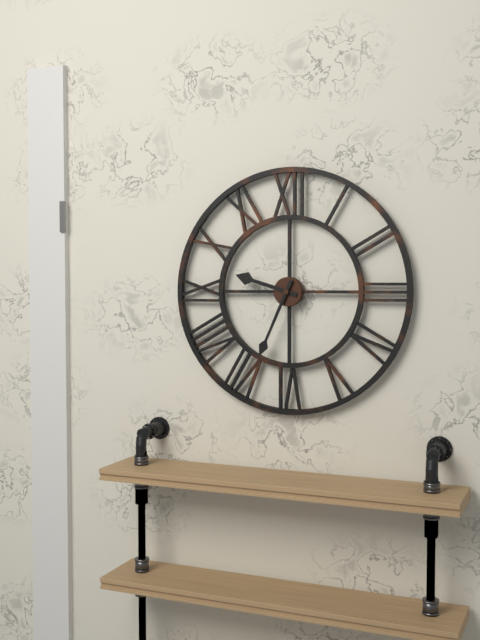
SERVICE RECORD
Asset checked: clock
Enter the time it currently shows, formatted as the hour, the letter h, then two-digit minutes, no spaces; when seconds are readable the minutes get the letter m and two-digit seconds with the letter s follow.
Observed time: 9h34
